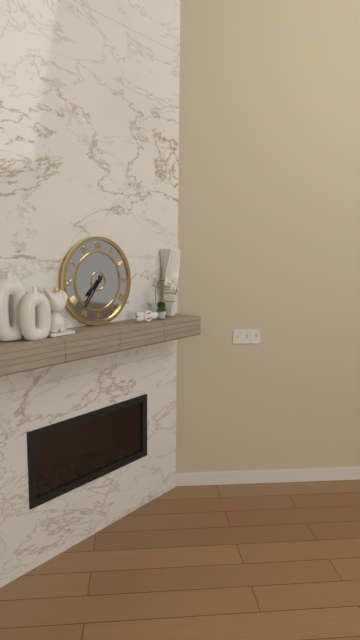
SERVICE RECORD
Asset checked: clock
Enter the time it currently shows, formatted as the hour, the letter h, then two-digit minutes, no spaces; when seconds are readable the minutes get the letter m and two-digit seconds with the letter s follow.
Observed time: 7h36
